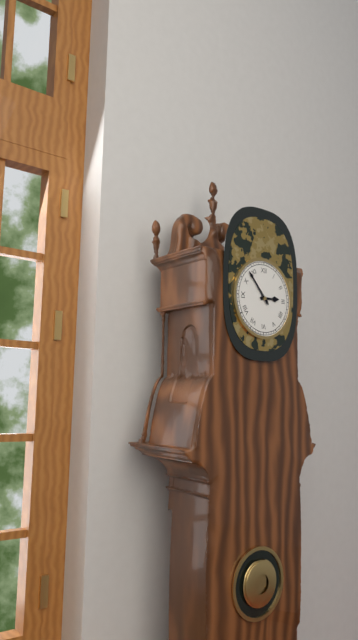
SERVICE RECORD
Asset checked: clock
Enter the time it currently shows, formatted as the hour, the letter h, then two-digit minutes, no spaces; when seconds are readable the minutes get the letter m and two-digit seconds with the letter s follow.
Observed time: 2h53
